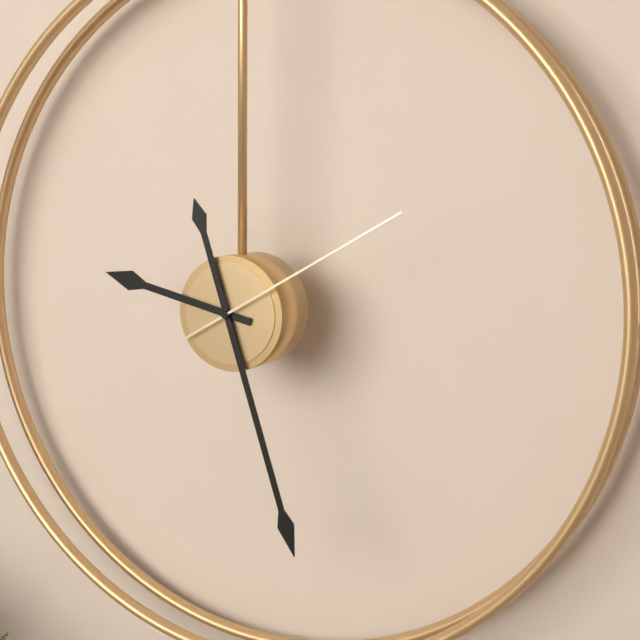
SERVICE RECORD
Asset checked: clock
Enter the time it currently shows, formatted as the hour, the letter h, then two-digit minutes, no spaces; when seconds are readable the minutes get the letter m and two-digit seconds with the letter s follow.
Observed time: 9h27m10s
